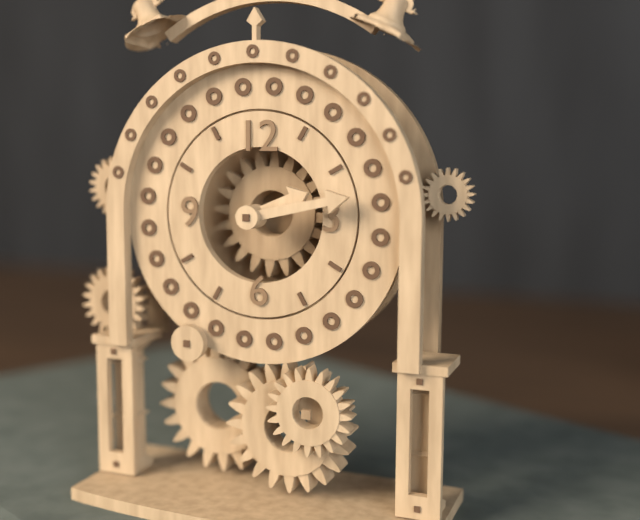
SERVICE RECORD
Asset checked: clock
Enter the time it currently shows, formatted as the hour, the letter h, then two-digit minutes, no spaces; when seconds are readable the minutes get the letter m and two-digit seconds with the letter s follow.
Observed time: 2h13
